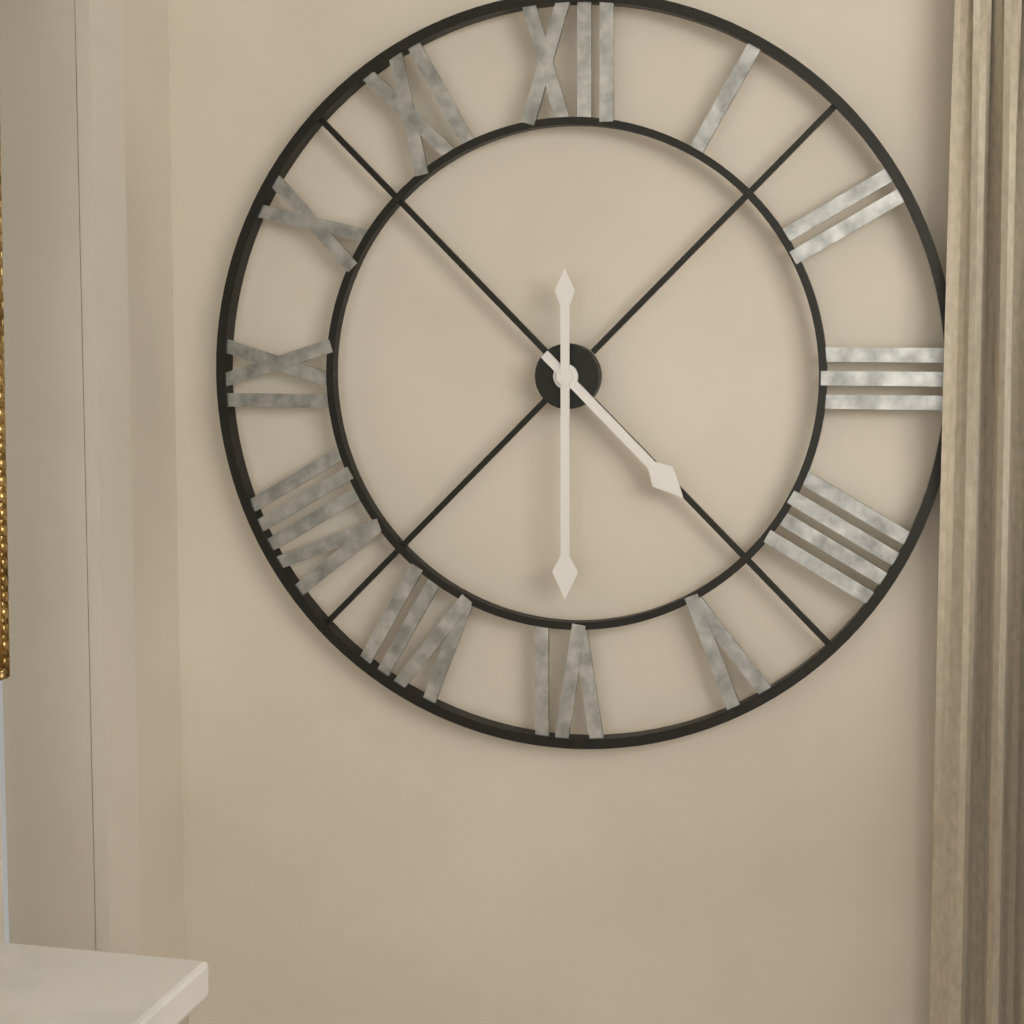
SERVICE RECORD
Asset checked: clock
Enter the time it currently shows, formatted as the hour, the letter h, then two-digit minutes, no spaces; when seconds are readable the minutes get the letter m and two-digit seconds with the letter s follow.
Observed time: 4h30
